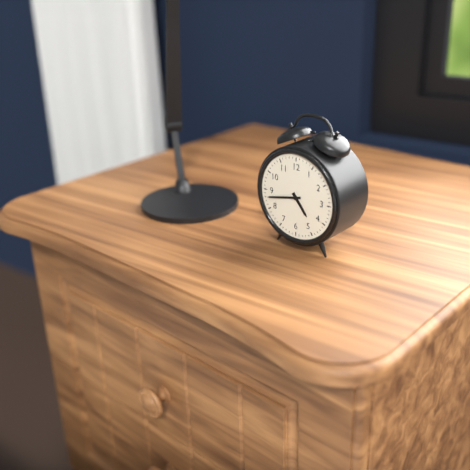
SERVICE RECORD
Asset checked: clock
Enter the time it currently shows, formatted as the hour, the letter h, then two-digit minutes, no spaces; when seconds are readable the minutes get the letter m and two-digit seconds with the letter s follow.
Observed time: 4h43
